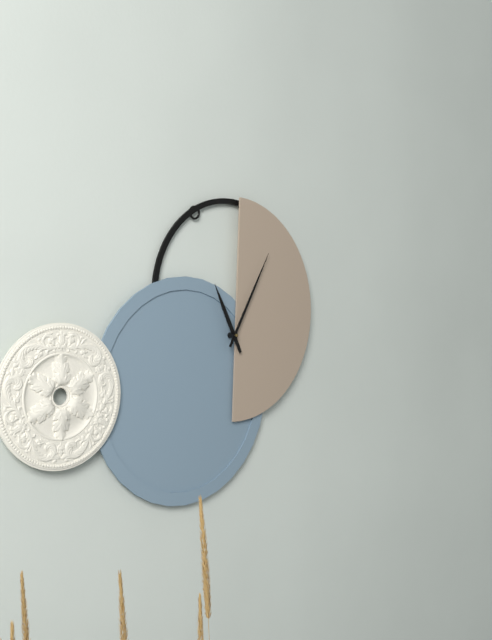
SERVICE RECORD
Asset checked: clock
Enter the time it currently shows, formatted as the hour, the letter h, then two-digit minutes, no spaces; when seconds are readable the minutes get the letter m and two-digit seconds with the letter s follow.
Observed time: 11h05
